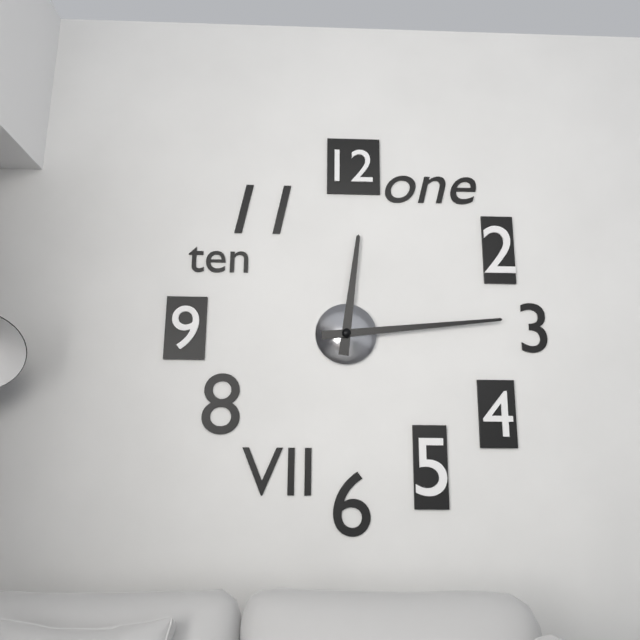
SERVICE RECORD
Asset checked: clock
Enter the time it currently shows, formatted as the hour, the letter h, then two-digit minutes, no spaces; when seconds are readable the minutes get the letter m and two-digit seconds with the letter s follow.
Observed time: 12h14
